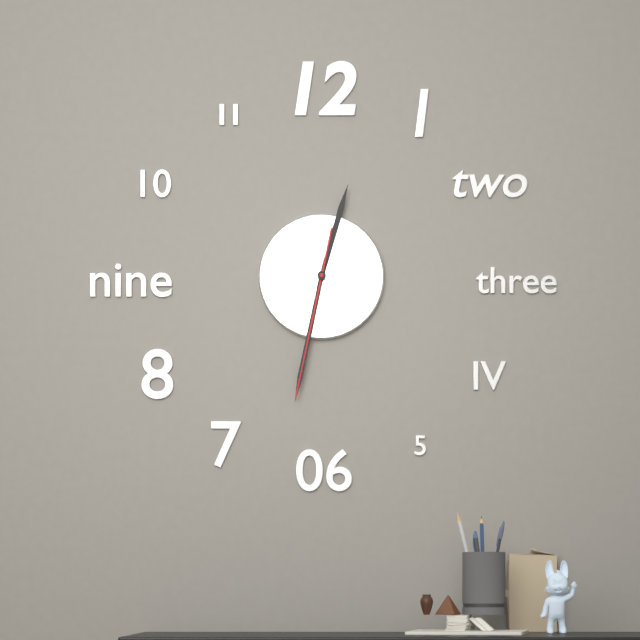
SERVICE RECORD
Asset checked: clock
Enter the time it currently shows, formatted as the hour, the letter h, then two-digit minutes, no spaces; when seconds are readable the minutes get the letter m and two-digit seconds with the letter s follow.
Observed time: 12h32m32s
